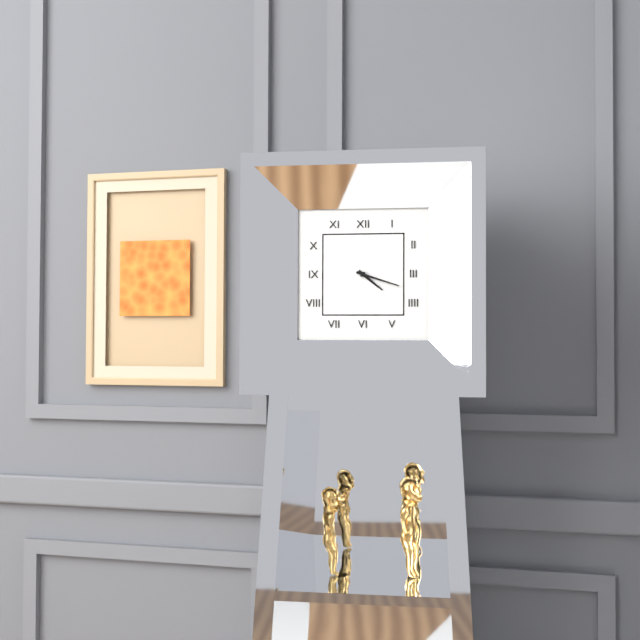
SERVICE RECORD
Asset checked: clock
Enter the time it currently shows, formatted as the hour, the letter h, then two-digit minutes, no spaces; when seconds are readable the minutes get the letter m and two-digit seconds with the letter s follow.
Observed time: 4h18
